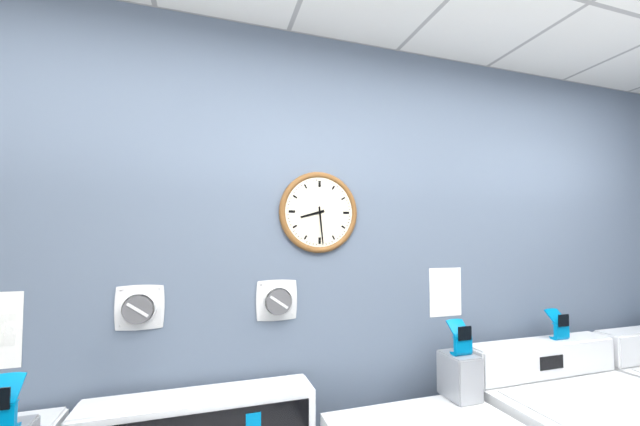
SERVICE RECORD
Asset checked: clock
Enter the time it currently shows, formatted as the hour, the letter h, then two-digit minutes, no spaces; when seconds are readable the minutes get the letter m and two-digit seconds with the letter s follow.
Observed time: 8h29
